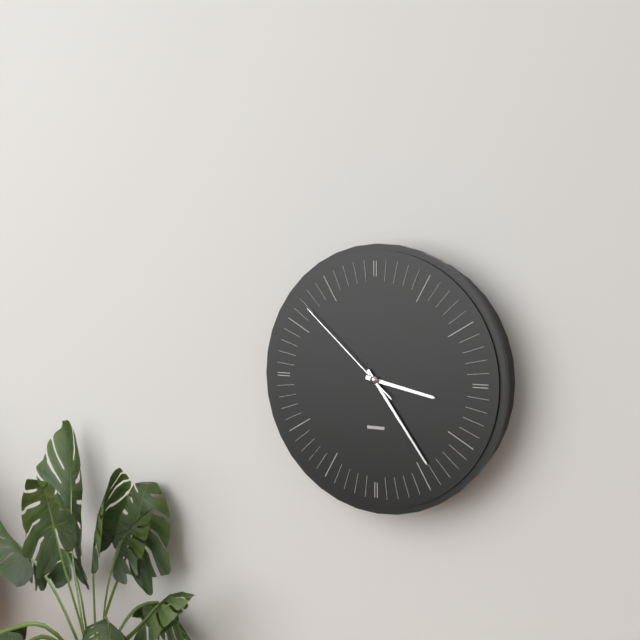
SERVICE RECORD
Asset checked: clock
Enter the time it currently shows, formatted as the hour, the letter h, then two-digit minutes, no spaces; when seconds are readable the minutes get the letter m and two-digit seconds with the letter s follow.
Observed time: 3h24m52s
